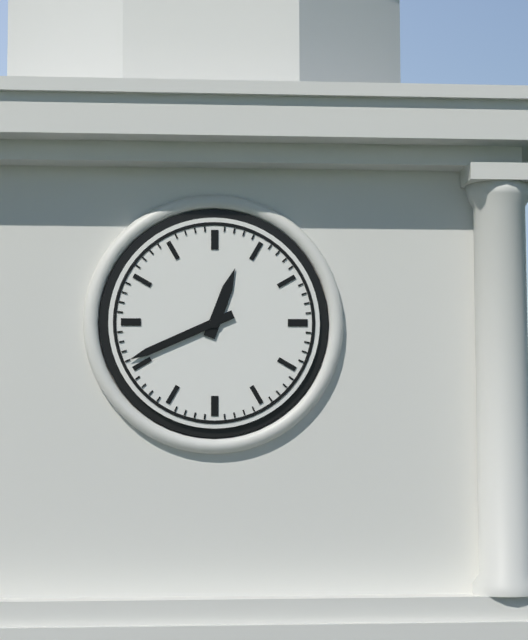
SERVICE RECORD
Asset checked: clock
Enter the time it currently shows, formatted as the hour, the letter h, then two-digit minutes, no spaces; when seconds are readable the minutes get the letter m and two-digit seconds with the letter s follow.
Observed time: 12h41
